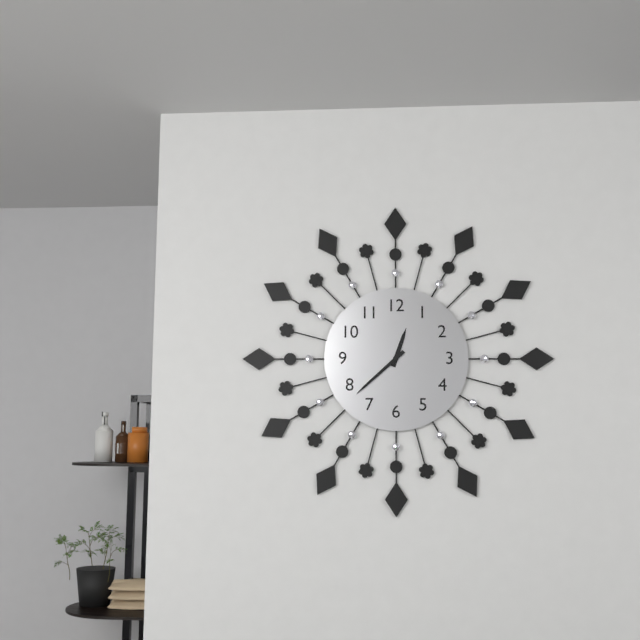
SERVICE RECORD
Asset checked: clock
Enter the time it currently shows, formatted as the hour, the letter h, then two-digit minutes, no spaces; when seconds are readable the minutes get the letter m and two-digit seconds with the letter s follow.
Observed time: 12h38
